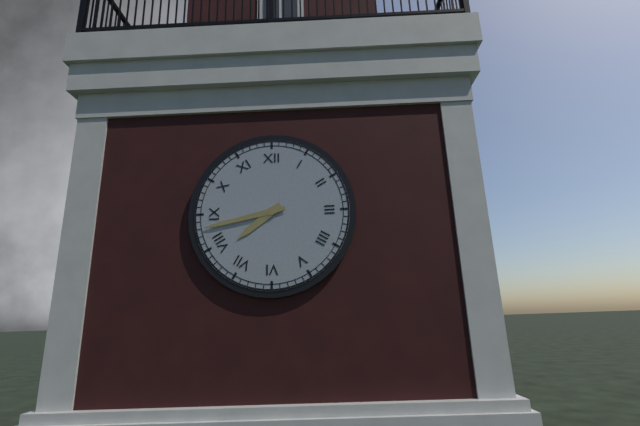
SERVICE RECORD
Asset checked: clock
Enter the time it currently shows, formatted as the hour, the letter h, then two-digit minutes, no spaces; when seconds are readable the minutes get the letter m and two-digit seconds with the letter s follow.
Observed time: 7h43
